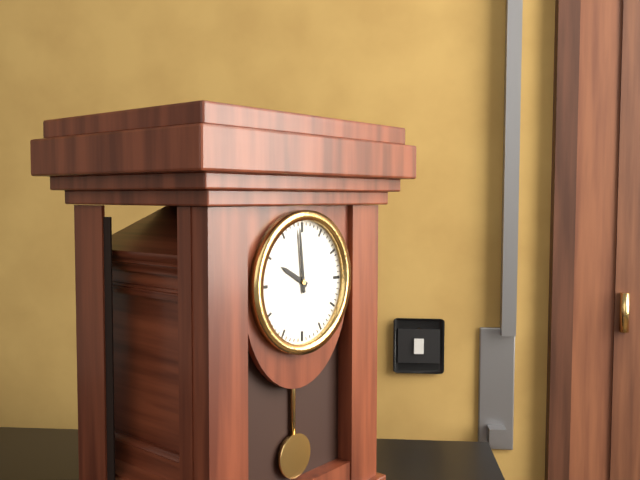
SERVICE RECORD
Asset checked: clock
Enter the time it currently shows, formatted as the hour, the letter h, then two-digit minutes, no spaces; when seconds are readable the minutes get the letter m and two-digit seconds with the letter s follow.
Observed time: 9h59
